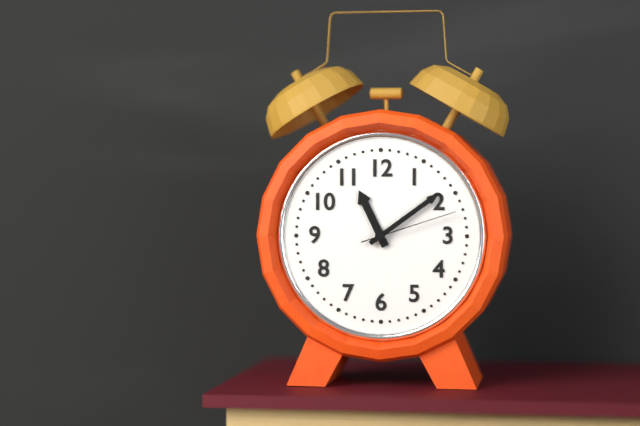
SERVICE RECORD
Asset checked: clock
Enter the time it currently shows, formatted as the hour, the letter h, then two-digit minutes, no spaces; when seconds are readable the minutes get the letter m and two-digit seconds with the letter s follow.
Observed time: 11h09m12s
